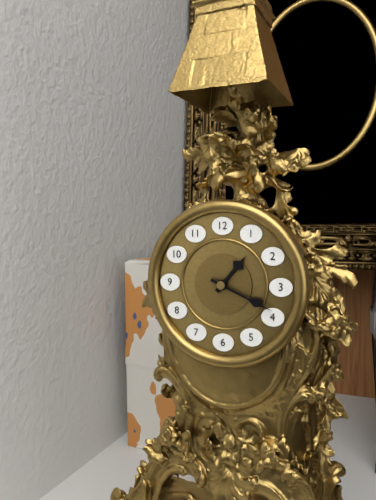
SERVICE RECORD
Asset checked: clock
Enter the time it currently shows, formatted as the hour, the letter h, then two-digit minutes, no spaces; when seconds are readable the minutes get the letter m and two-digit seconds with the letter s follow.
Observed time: 1h19
